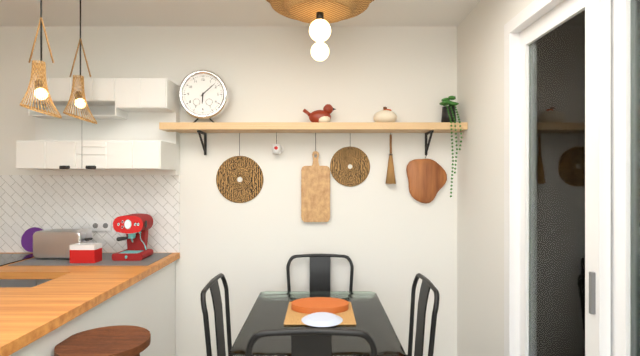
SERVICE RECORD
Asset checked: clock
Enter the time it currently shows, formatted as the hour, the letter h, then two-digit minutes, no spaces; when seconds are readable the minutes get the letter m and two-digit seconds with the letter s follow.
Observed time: 6h08
